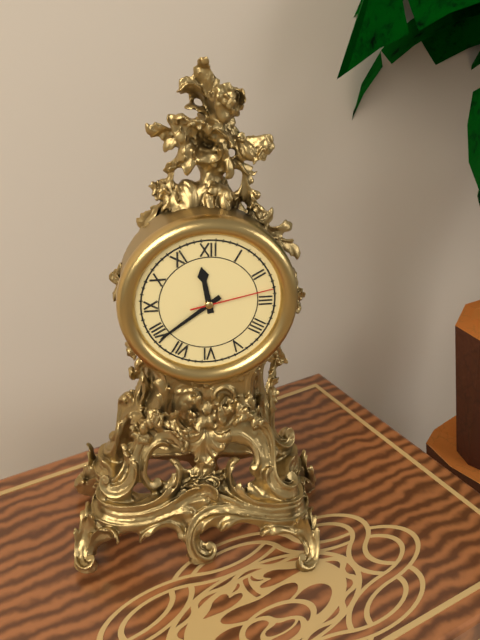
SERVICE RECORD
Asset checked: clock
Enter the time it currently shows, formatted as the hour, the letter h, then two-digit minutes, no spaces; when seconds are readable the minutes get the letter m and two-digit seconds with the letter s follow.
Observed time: 11h39m13s
